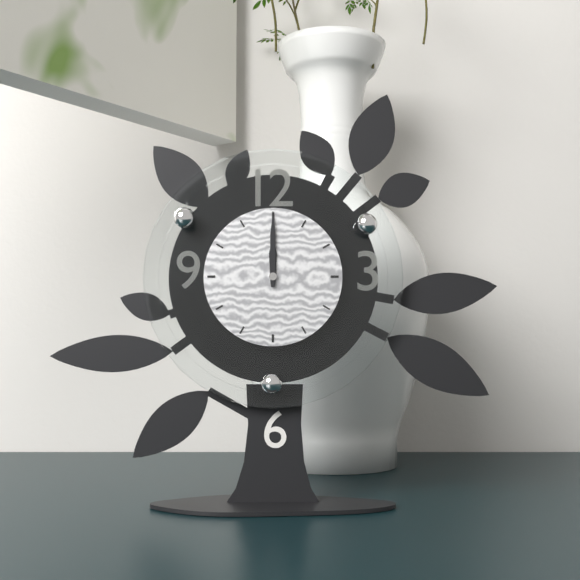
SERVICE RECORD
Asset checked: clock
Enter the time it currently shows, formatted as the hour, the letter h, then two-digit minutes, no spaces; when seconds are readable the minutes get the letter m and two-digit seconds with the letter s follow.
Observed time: 12h00
